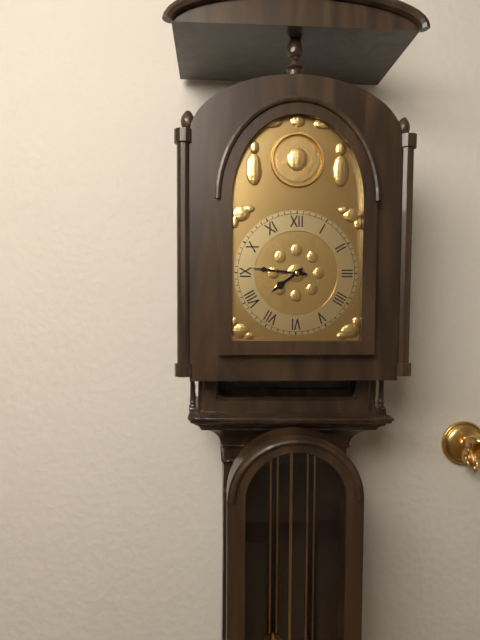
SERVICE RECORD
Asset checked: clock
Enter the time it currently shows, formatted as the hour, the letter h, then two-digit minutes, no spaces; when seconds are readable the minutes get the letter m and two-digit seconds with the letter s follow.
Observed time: 7h46
